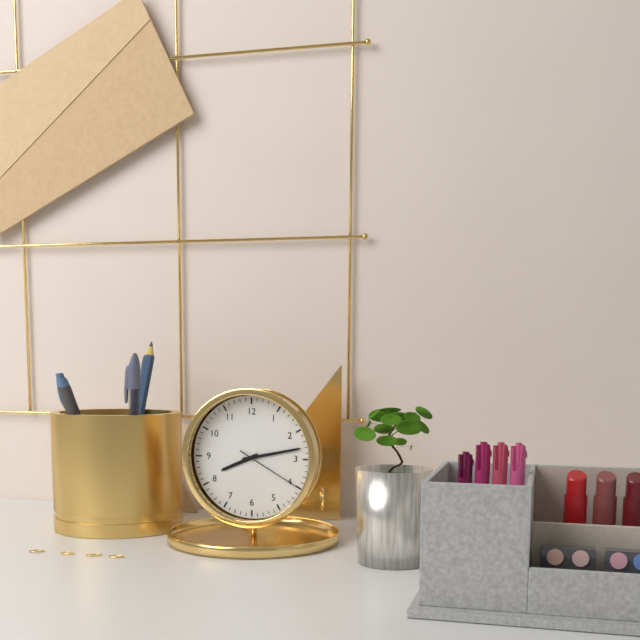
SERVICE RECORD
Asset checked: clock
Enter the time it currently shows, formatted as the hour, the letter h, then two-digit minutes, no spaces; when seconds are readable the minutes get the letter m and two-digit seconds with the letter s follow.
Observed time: 8h13m20s
